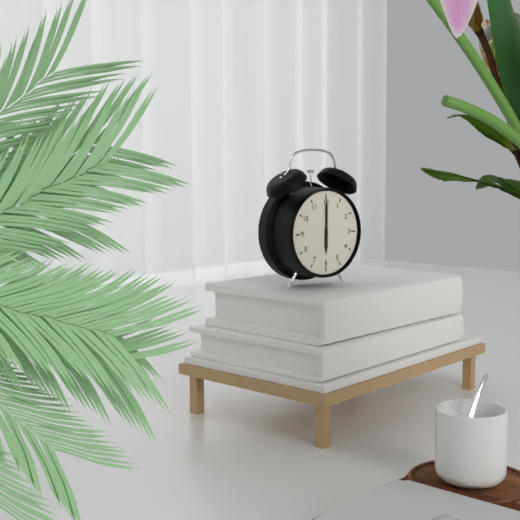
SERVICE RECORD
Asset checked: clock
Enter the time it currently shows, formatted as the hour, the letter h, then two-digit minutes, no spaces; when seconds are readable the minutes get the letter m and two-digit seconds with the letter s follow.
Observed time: 6h00
